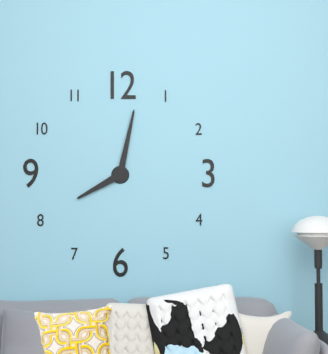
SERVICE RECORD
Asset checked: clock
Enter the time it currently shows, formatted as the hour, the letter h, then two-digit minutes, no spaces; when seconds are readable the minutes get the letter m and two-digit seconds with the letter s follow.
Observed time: 8h02
